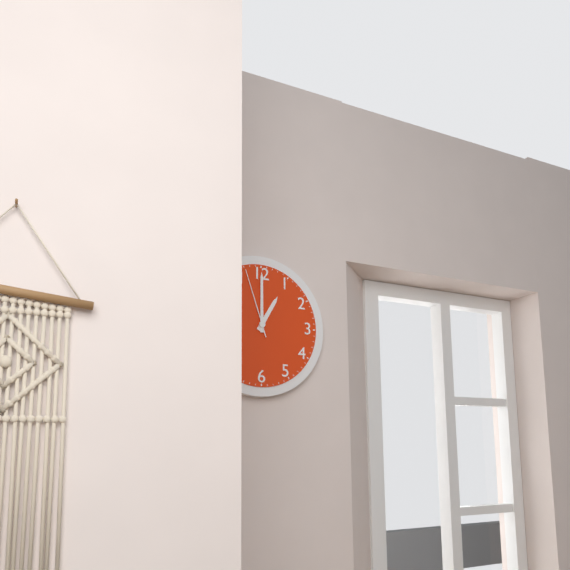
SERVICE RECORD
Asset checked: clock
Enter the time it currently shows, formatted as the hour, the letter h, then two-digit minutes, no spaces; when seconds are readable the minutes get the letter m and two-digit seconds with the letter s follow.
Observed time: 1h00m57s
